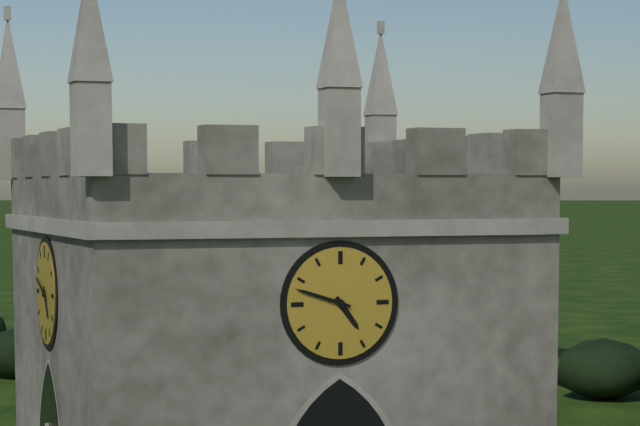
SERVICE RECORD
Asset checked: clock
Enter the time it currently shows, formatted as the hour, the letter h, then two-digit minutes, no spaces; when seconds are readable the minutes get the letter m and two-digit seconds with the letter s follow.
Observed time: 4h48
